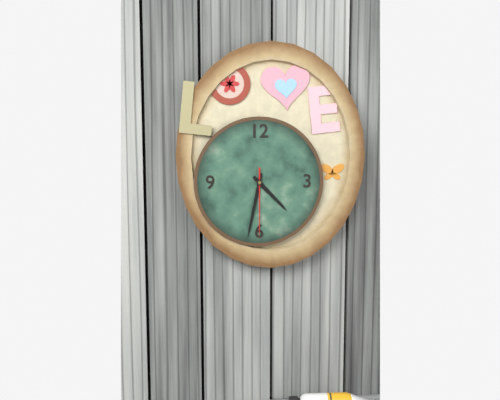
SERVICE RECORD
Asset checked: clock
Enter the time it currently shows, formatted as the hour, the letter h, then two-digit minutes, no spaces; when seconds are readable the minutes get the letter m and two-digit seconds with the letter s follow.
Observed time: 4h32m30s
